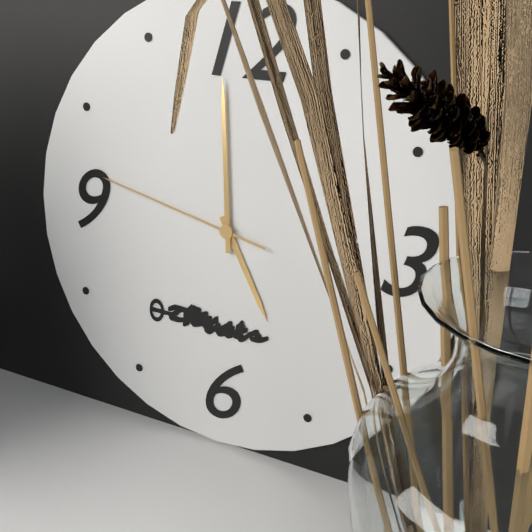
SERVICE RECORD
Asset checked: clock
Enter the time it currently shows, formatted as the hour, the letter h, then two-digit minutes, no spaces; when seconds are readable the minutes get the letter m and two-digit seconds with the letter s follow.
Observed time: 4h59m47s
